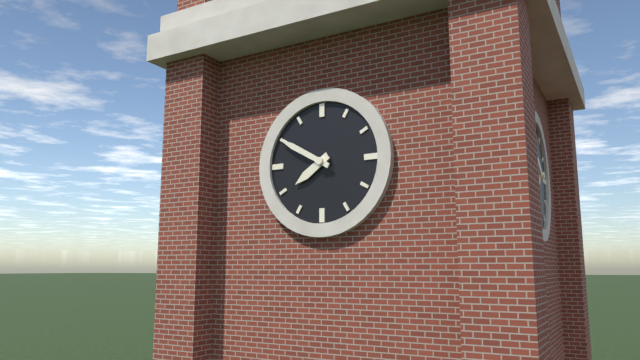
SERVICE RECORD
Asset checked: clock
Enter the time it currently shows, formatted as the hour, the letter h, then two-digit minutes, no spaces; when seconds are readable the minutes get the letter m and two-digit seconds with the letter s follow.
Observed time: 7h50
